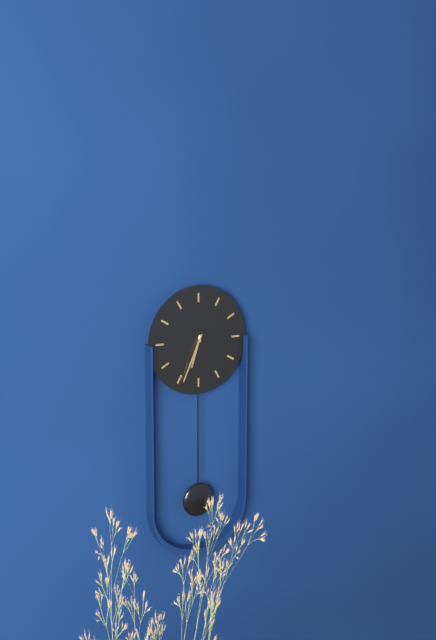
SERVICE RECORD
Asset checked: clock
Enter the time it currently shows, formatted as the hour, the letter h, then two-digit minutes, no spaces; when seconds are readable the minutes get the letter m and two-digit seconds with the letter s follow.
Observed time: 6h34
